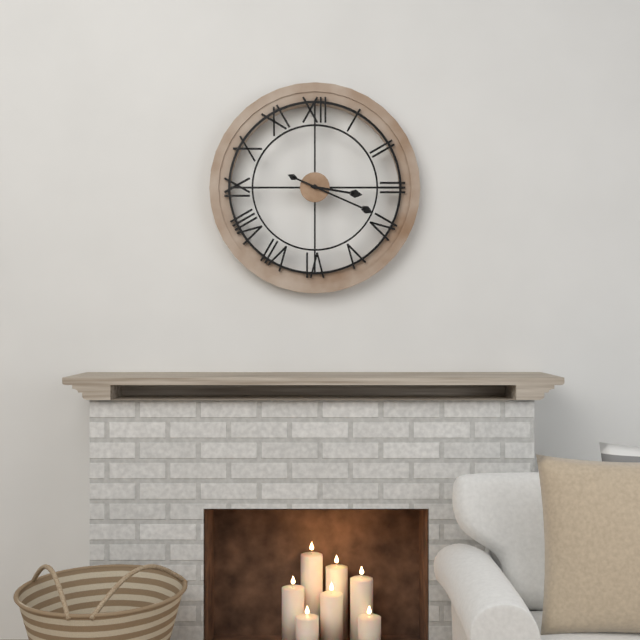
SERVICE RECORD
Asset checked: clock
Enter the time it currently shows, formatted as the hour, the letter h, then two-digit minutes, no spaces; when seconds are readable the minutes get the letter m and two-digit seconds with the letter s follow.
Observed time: 3h19
